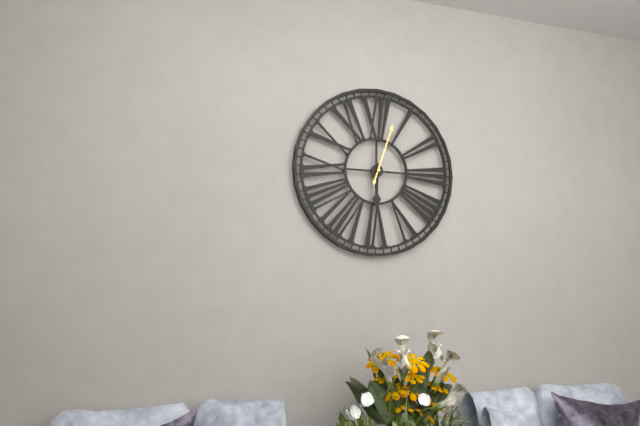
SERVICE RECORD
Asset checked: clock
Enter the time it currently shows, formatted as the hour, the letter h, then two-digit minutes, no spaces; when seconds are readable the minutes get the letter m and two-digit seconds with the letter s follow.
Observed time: 6h03
